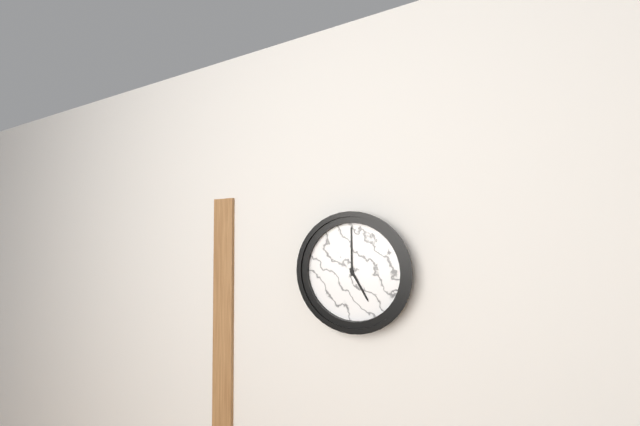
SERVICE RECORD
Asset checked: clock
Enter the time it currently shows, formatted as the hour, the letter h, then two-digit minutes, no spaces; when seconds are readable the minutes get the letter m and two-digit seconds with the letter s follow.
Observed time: 5h00
